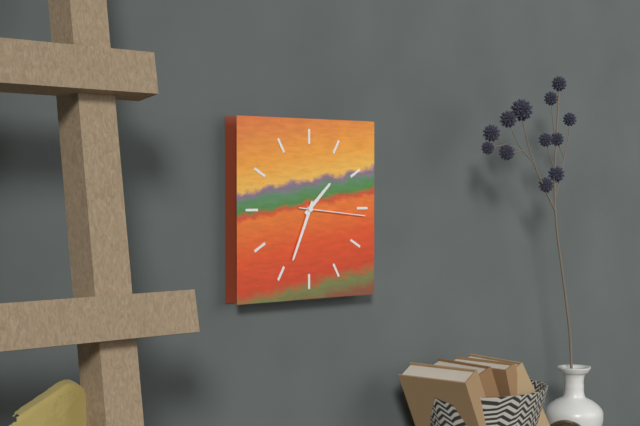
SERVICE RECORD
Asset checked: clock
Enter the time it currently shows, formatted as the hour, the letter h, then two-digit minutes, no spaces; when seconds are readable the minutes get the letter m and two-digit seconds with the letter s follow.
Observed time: 1h34m16s
